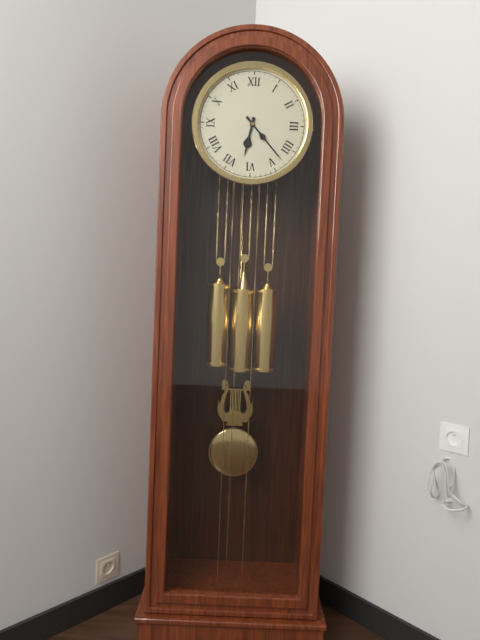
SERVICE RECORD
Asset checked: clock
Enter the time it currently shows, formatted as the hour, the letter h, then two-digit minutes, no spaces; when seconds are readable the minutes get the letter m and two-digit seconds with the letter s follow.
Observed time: 6h23
